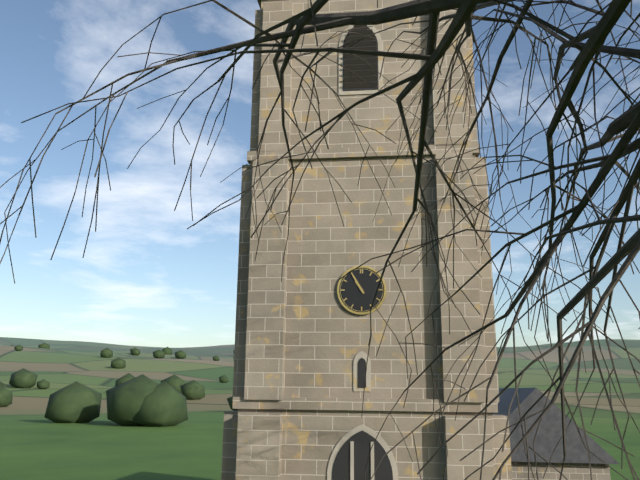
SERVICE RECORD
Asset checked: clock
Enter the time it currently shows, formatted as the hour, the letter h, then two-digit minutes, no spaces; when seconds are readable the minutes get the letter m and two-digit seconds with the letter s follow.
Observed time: 10h55
